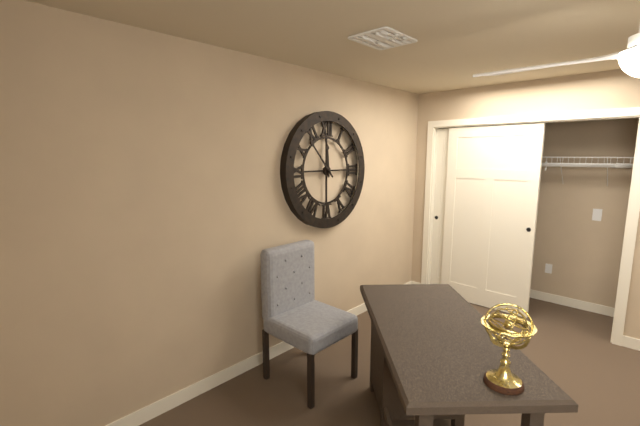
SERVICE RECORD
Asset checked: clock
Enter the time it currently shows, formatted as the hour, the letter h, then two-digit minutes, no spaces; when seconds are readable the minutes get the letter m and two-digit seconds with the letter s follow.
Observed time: 11h53
